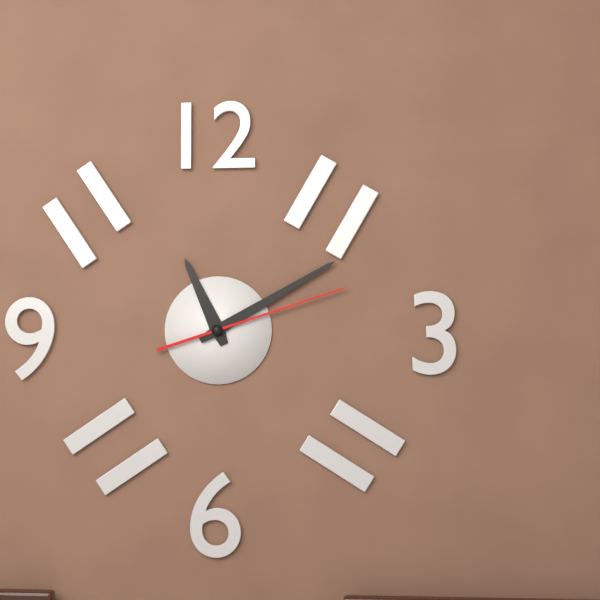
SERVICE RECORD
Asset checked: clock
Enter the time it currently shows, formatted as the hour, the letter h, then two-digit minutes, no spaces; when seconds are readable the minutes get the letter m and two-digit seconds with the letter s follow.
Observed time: 11h10m12s
